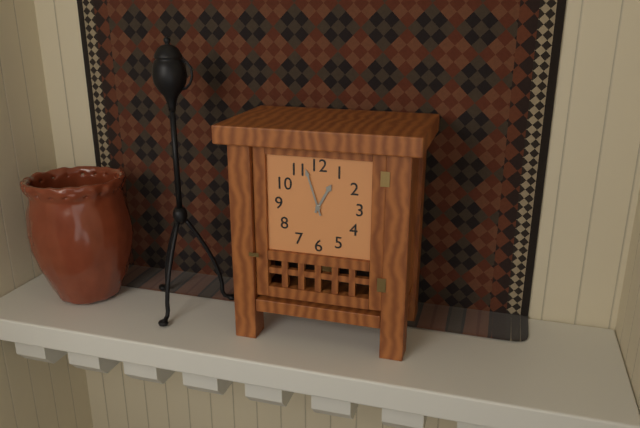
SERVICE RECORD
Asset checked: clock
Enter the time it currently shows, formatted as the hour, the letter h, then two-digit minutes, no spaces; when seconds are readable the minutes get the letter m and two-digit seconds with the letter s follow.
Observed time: 12h57
